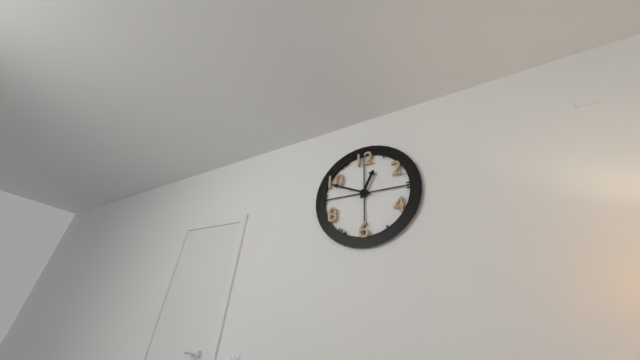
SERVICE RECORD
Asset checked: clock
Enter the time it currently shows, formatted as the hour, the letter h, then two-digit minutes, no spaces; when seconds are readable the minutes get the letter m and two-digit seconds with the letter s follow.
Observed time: 12h49
